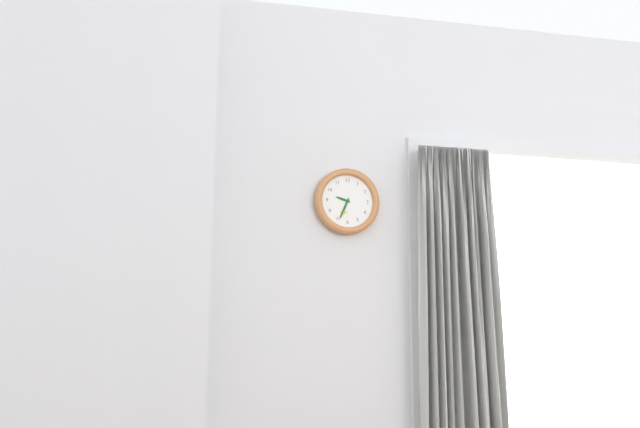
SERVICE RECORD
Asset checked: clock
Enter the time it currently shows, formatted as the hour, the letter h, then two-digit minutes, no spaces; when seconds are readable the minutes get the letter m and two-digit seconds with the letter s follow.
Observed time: 9h34
